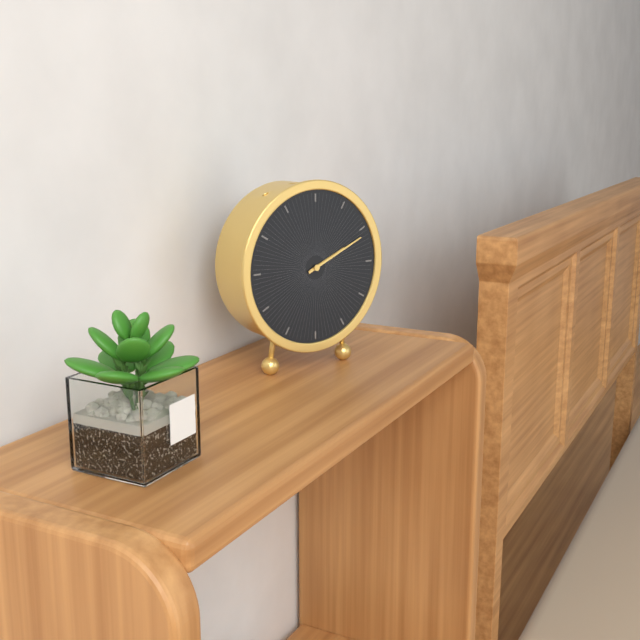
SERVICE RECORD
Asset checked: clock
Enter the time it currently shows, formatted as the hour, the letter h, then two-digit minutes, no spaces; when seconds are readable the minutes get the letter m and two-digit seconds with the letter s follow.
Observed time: 2h11
